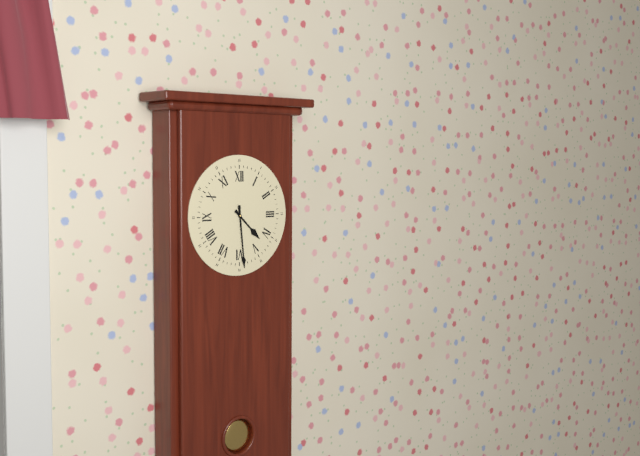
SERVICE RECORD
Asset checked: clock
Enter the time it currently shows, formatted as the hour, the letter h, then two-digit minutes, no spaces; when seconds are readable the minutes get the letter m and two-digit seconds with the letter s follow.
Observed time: 4h29
